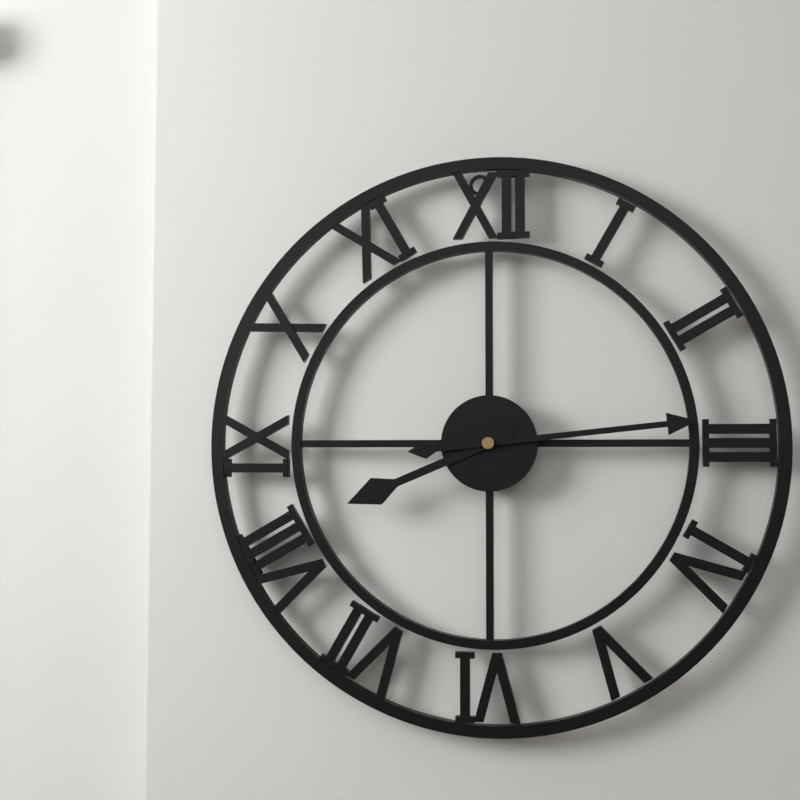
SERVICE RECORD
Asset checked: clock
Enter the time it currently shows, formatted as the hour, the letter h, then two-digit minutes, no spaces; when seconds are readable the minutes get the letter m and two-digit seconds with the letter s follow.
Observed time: 8h14
